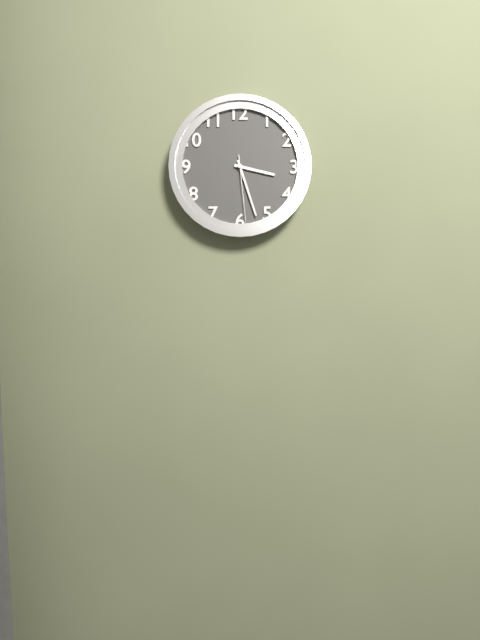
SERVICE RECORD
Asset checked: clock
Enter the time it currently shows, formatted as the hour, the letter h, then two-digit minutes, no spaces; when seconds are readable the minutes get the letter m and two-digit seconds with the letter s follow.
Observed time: 3h27m29s
